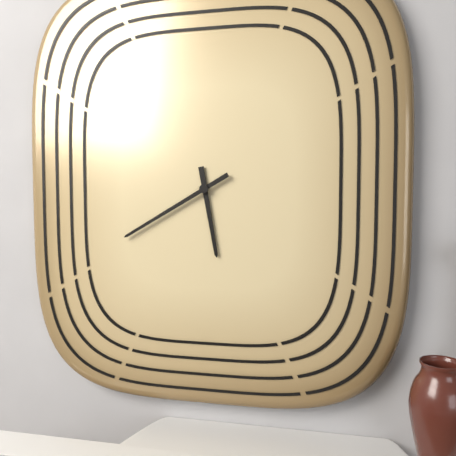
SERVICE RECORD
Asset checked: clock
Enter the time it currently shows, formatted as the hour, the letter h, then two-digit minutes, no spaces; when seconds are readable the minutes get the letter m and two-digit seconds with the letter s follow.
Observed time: 5h40
